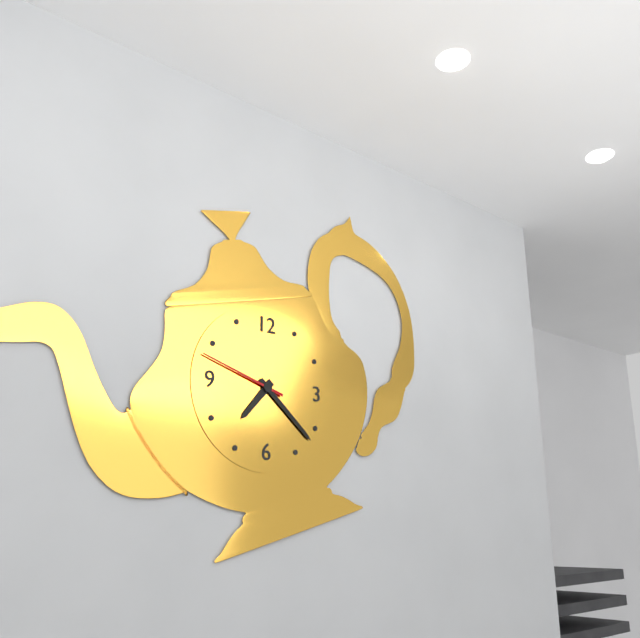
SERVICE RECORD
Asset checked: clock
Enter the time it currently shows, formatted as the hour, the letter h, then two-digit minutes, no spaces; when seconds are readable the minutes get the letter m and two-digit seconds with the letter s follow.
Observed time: 7h22m48s
